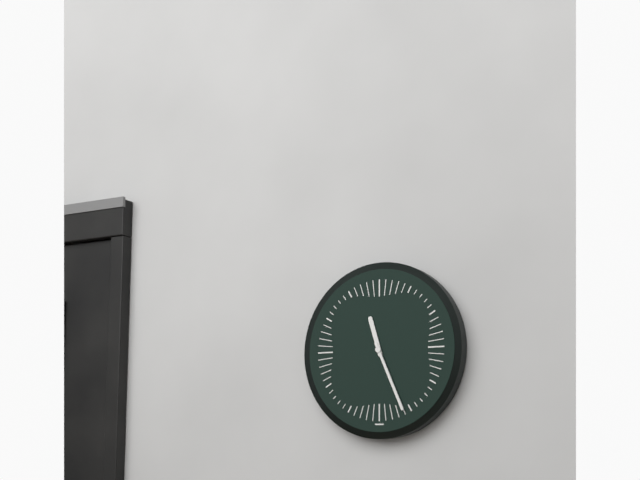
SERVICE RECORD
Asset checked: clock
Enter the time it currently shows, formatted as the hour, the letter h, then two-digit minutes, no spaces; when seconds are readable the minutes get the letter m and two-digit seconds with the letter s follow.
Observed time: 11h26
